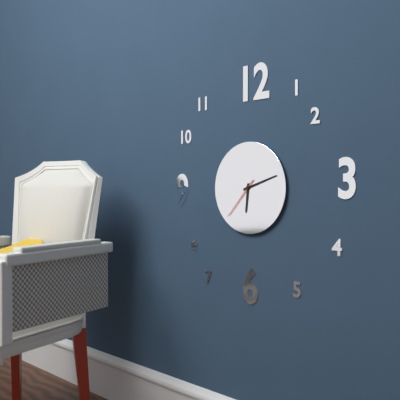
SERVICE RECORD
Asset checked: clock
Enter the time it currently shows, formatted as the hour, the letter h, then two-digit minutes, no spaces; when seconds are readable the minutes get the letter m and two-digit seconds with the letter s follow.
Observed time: 6h12
